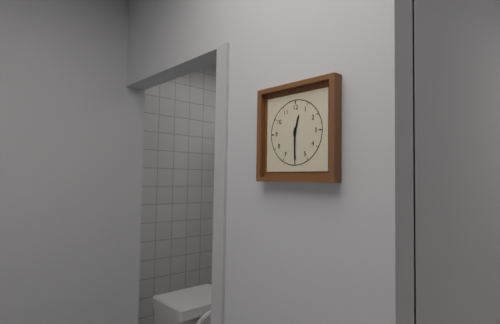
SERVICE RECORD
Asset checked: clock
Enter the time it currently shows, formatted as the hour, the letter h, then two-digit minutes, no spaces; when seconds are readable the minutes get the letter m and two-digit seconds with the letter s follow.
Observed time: 12h30
